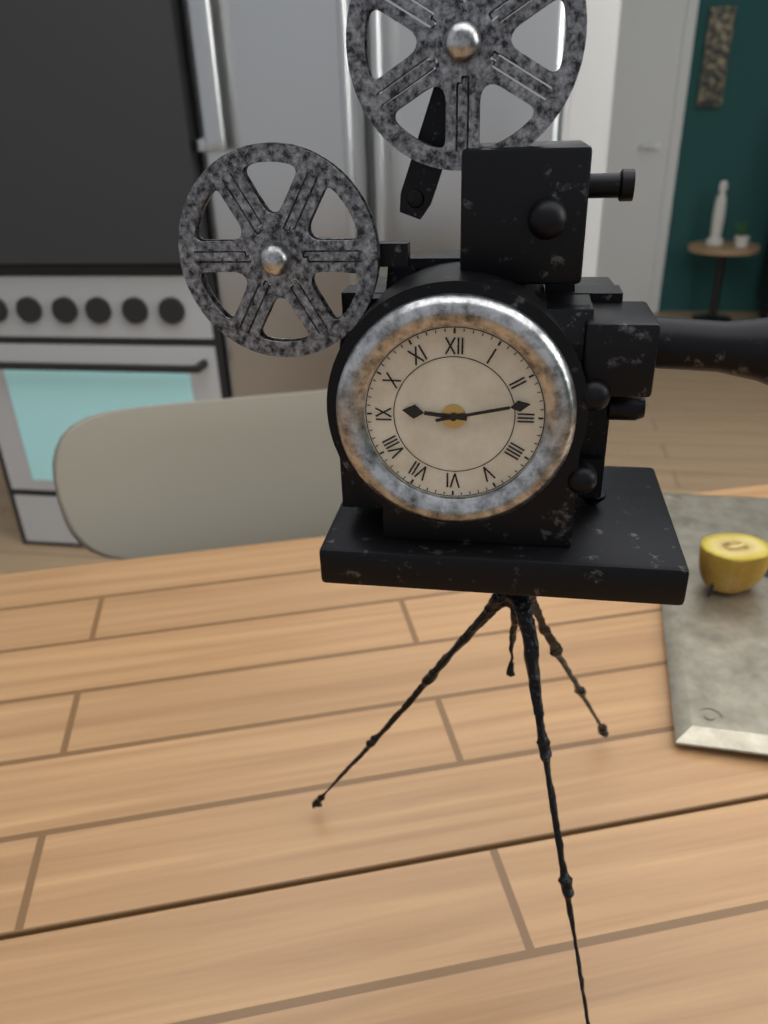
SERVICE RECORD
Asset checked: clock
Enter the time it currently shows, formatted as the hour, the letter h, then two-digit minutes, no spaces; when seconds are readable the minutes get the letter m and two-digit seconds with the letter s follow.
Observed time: 9h13
